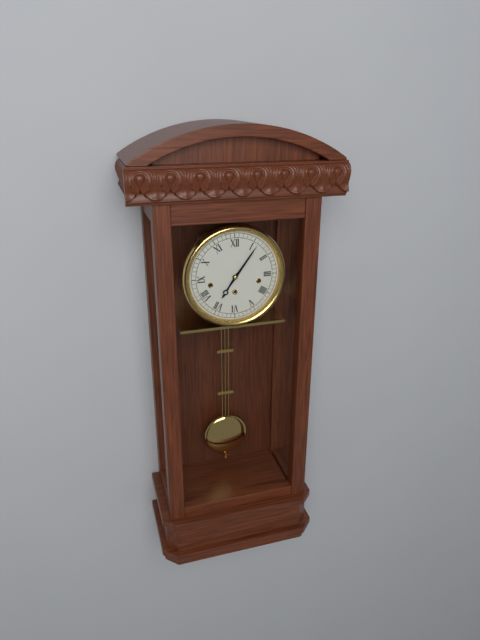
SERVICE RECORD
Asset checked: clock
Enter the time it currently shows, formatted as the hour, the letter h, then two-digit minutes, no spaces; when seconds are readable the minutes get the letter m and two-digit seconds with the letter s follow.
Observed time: 7h06
